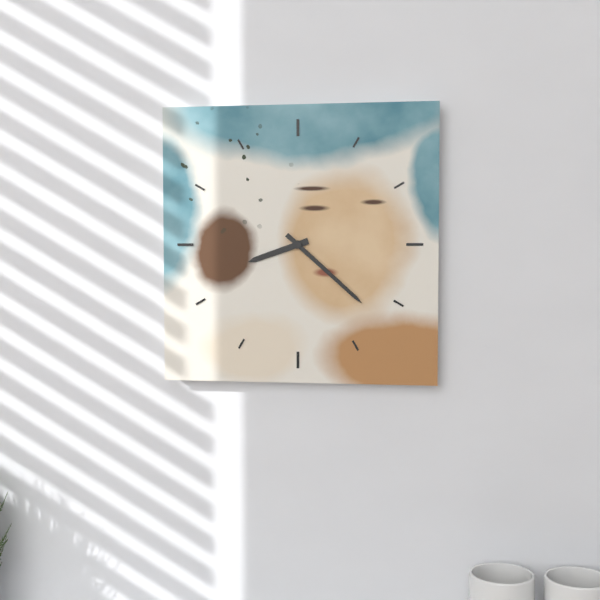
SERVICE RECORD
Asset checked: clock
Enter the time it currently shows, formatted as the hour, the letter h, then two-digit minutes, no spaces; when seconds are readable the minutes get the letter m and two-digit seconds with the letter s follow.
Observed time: 8h22
